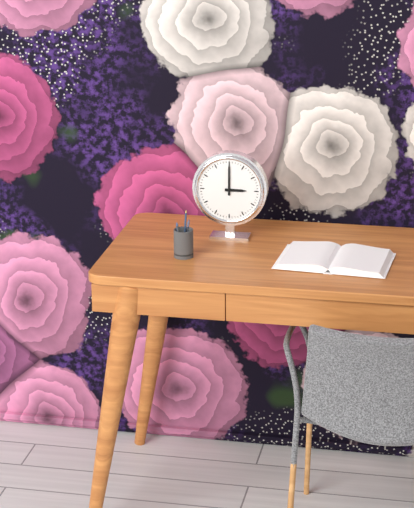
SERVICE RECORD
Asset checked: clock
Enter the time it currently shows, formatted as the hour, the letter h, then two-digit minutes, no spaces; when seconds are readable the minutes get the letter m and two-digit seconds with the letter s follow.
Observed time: 3h00
